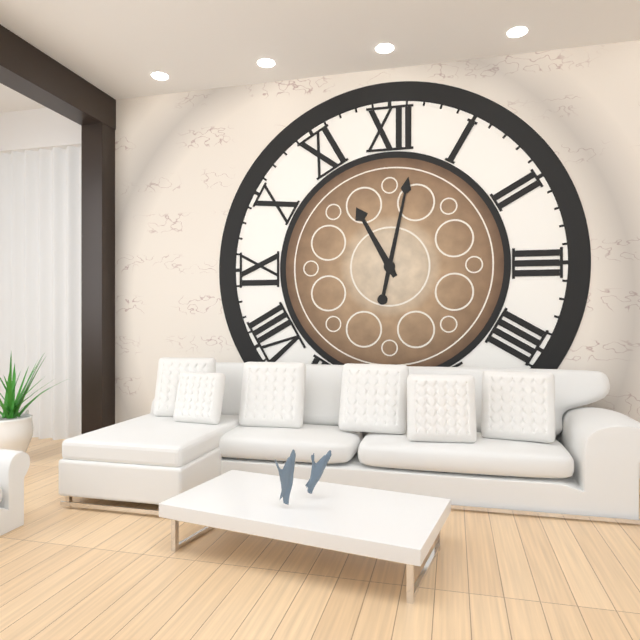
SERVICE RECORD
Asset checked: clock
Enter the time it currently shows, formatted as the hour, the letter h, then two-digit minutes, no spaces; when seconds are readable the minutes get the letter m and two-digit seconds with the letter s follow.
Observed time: 11h02
